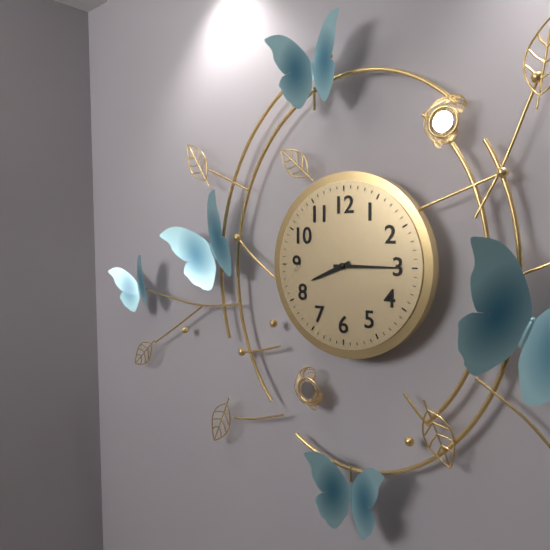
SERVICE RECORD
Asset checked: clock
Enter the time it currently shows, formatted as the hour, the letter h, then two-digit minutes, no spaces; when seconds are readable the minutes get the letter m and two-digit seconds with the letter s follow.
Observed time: 8h15
